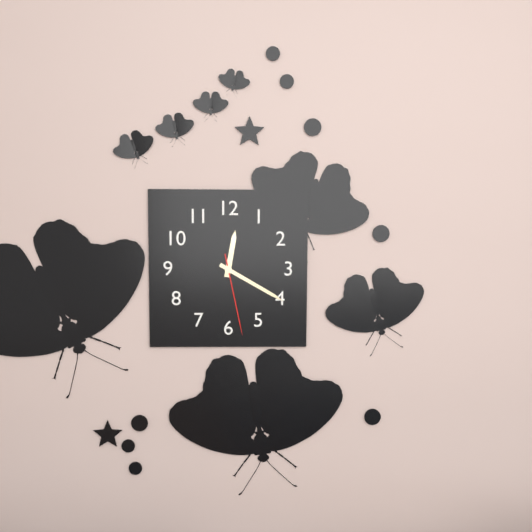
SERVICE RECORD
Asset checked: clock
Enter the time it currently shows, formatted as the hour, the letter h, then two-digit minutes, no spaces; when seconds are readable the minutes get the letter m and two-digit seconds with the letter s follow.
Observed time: 12h20m28s
